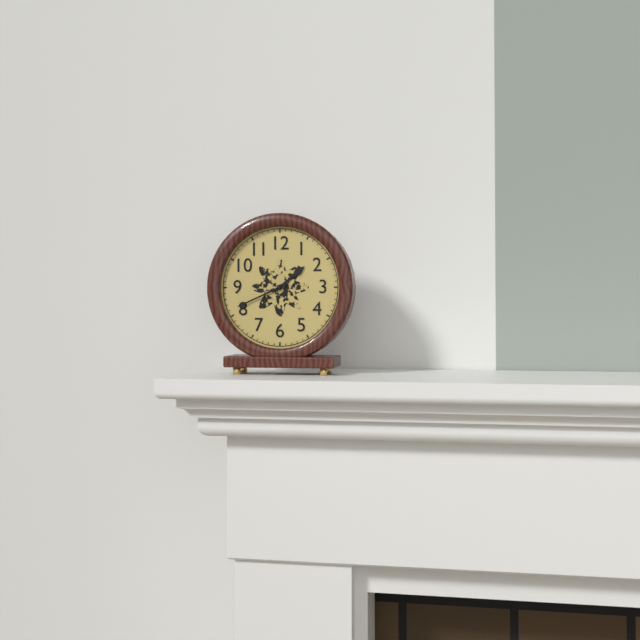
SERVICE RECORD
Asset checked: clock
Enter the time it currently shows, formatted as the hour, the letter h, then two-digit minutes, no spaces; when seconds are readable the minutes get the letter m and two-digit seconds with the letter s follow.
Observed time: 1h41
